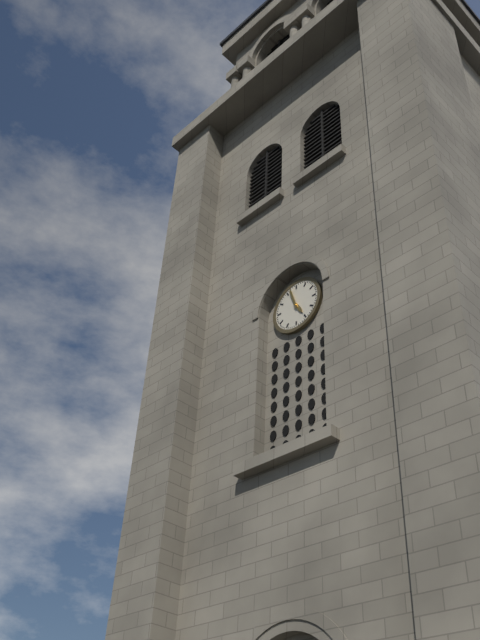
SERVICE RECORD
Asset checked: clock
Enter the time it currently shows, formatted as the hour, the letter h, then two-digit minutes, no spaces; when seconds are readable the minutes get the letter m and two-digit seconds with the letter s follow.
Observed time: 4h57
